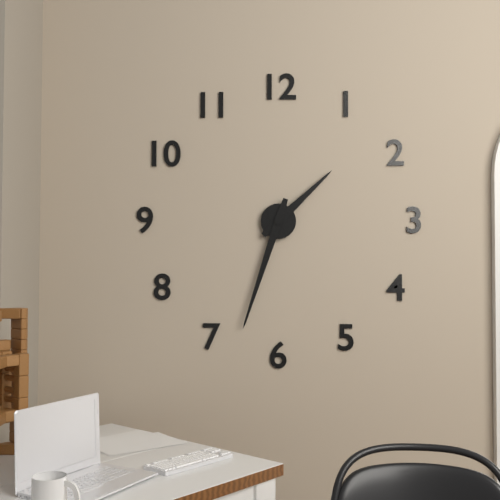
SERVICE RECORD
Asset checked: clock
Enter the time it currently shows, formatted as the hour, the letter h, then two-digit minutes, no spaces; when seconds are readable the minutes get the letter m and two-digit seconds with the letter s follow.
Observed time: 1h33
